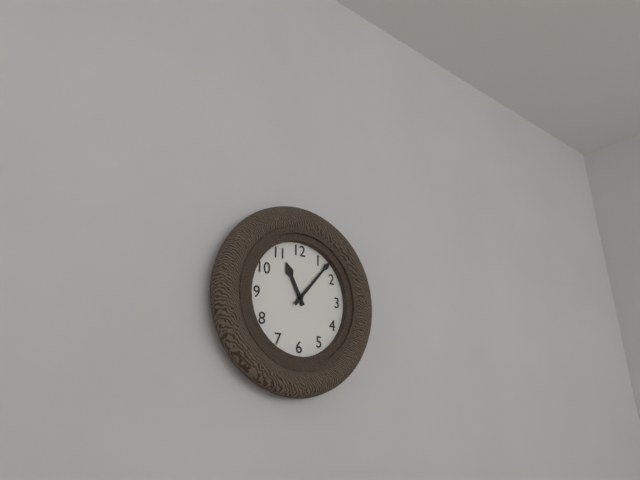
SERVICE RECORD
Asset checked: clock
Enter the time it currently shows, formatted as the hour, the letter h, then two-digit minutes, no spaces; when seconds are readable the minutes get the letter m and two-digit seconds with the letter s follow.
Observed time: 11h07
